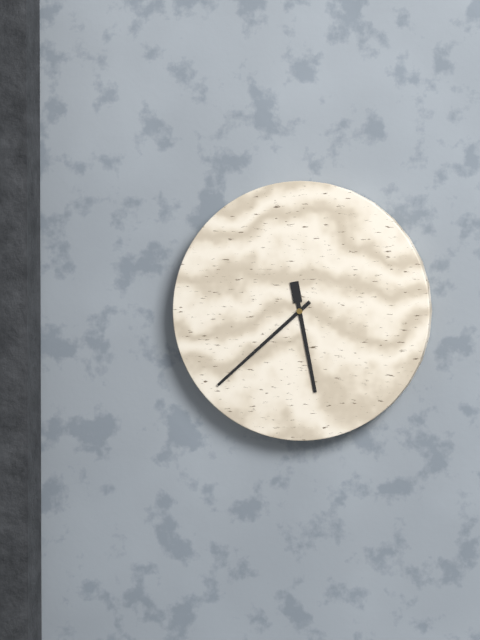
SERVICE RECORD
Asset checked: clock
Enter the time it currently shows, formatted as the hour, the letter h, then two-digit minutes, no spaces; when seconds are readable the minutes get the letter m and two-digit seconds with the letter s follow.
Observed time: 5h38
